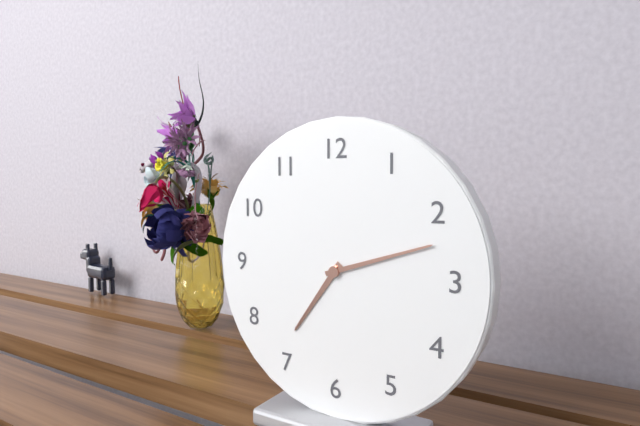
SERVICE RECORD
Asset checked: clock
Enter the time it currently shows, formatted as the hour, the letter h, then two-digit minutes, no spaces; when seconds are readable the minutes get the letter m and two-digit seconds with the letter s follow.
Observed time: 7h12
